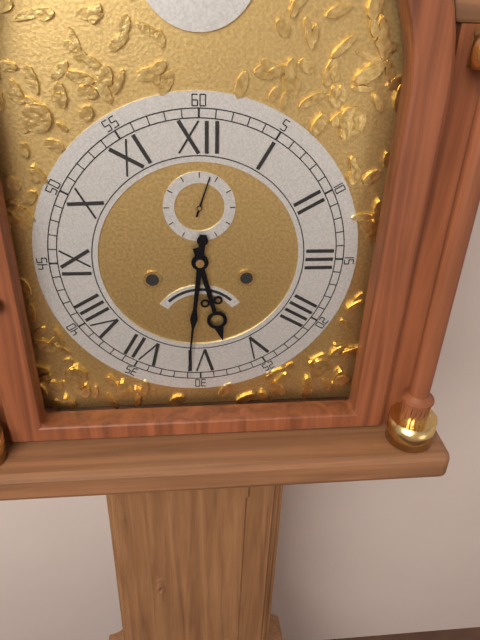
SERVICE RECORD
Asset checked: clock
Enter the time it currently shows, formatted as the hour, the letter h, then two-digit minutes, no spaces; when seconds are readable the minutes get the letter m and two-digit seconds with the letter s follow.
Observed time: 5h31
